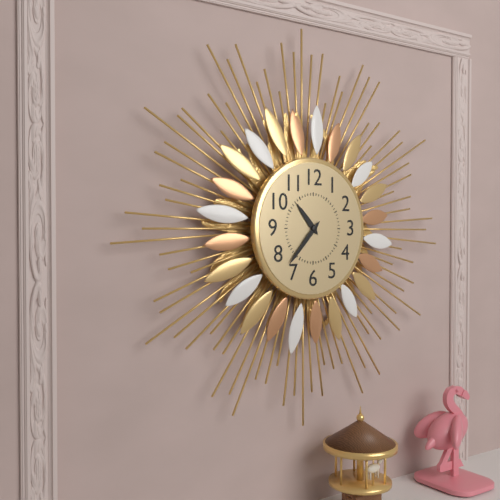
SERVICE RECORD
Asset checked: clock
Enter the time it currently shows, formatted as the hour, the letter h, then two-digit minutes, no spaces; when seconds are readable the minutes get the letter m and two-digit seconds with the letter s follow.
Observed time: 10h37
